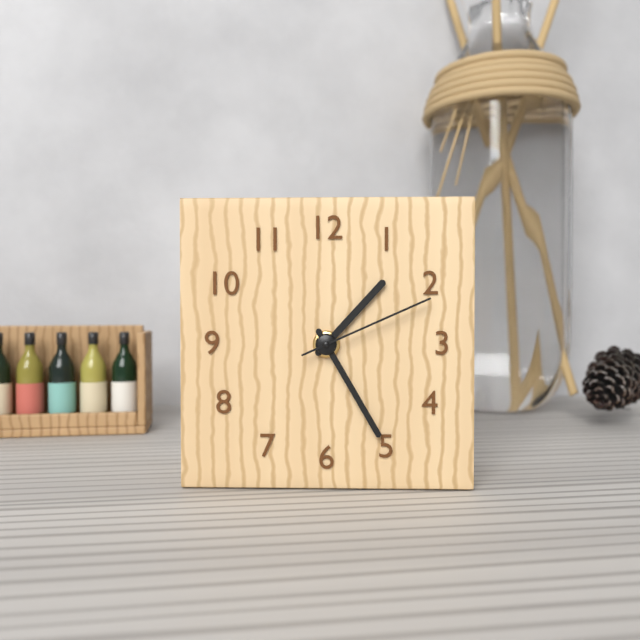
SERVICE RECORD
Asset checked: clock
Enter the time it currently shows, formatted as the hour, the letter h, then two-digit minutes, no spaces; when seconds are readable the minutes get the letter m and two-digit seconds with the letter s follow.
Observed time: 1h25m11s
